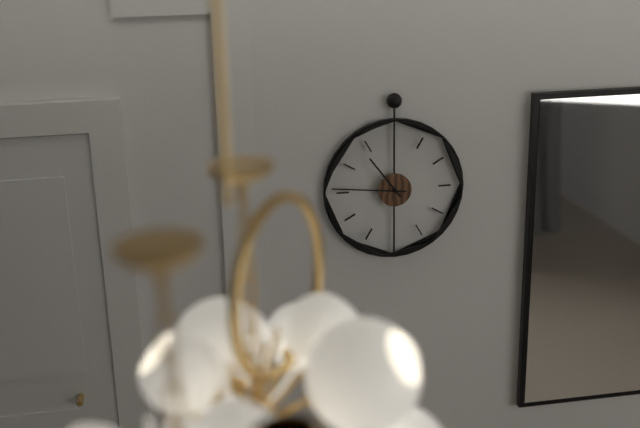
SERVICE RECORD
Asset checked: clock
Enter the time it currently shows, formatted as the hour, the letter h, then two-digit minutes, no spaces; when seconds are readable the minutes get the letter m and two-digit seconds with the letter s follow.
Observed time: 10h46
